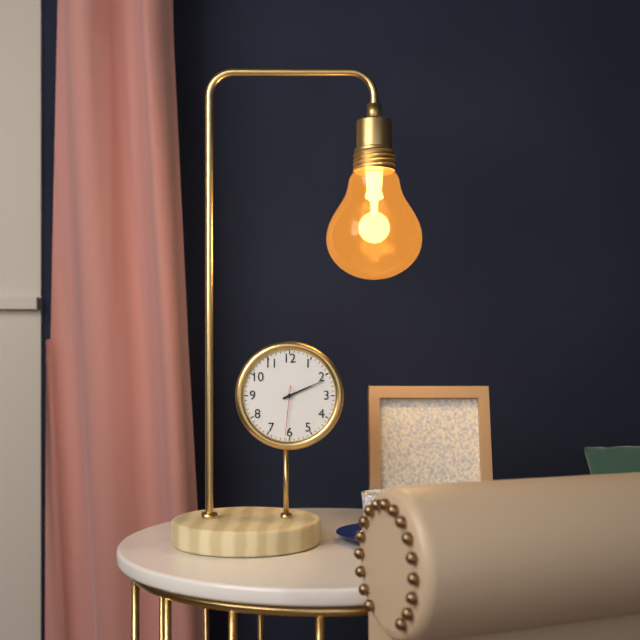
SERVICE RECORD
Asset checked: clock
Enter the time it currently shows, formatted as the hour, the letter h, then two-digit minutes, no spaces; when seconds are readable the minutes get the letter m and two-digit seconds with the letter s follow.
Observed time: 2h11m31s
